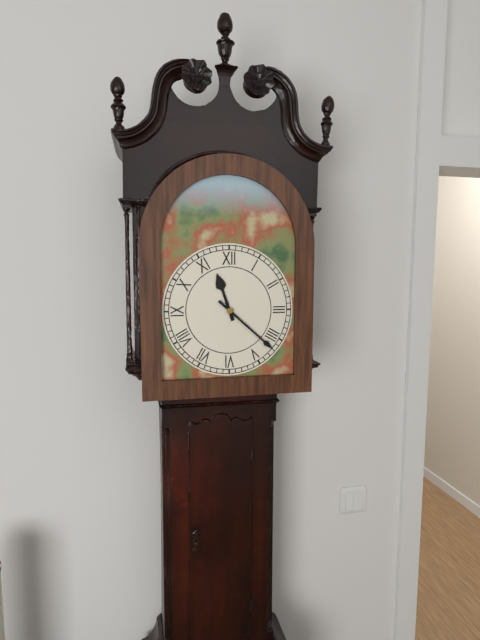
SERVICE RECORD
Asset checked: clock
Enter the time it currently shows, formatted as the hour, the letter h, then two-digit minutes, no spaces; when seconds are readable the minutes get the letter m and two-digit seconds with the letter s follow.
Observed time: 11h22
